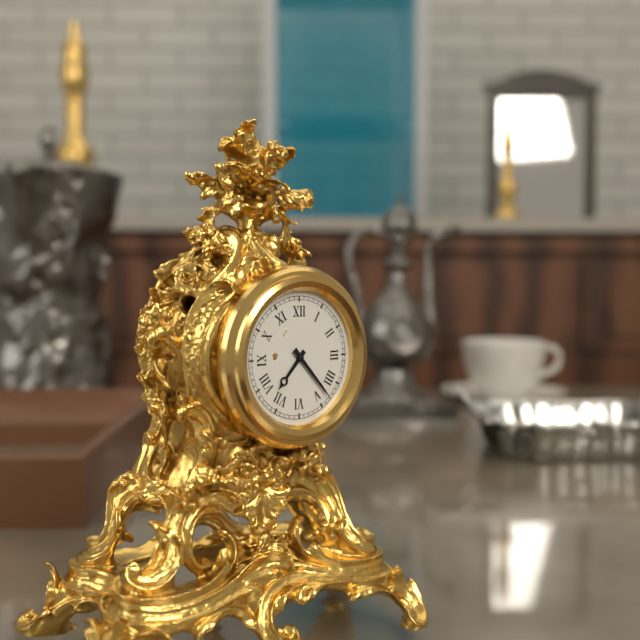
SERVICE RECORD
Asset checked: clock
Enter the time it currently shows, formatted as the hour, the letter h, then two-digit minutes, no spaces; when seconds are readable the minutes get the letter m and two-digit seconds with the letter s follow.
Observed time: 7h23
